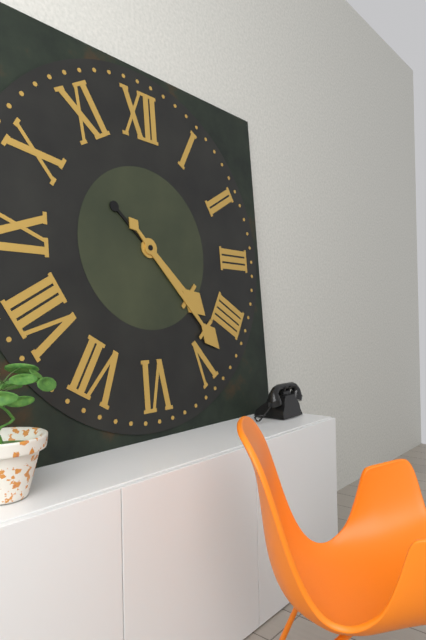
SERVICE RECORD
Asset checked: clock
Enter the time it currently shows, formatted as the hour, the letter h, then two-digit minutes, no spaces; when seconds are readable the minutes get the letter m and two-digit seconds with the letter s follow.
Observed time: 4h23
